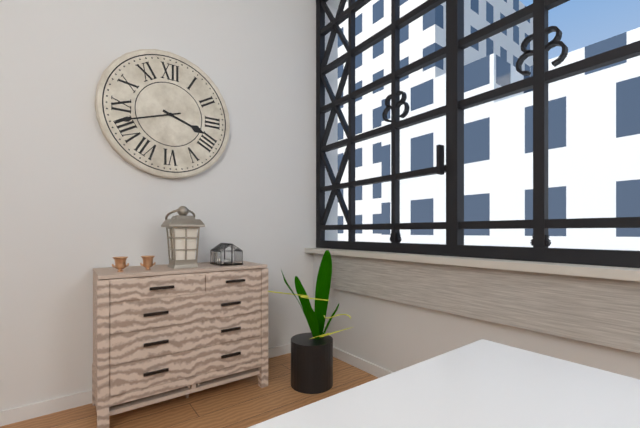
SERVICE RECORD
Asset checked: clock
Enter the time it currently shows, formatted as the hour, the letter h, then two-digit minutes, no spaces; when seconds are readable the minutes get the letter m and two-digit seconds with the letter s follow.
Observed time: 3h42
